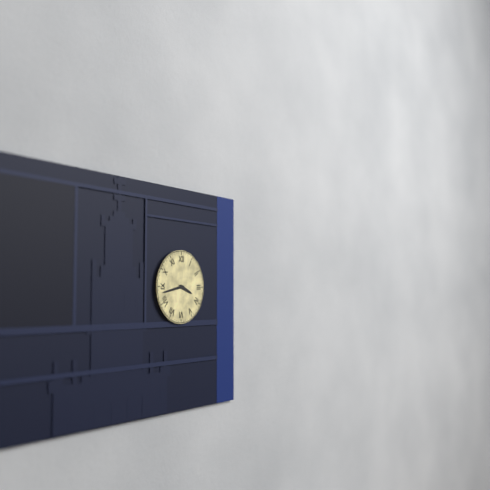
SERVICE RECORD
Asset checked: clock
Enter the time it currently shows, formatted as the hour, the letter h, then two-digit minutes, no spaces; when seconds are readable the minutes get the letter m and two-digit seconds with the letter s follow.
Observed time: 3h43
